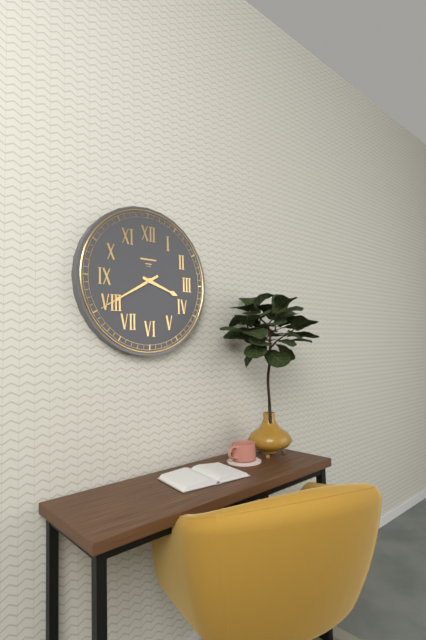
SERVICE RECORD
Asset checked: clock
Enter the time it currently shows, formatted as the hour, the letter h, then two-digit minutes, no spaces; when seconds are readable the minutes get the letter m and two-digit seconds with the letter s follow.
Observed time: 3h40
